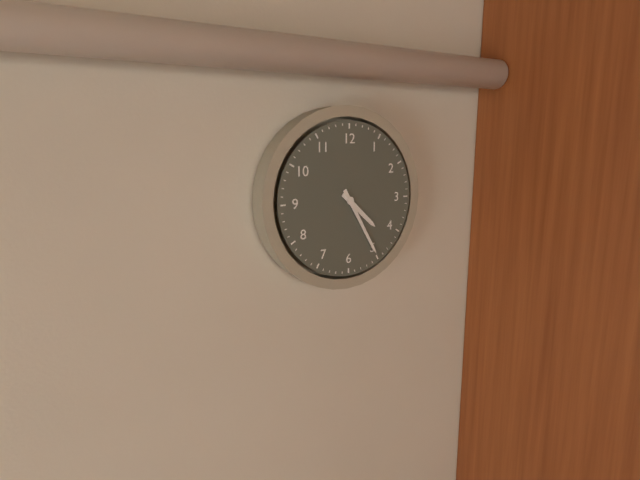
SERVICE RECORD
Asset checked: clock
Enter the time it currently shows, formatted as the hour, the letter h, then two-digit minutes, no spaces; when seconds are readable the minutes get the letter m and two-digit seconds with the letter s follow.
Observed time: 4h25
